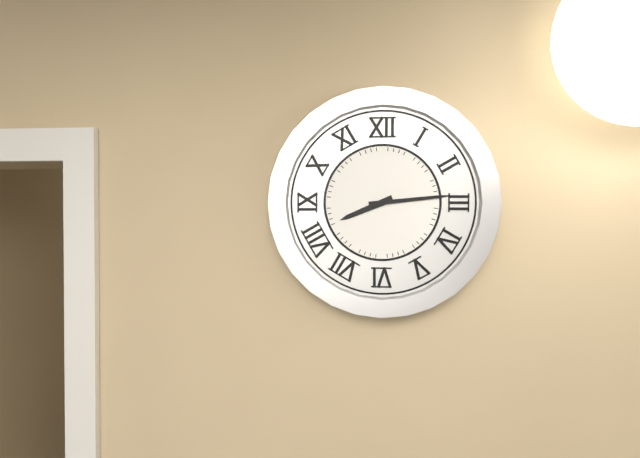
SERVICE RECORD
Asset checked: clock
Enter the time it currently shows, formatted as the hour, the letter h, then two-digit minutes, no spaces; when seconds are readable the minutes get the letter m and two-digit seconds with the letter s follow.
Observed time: 8h14
